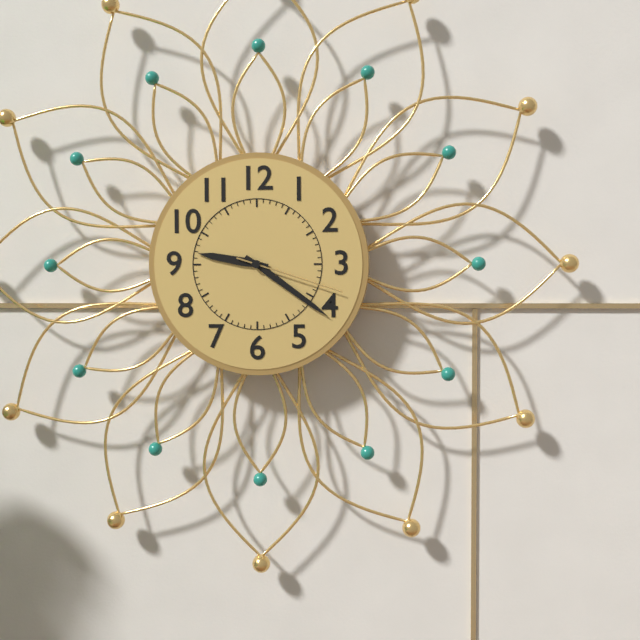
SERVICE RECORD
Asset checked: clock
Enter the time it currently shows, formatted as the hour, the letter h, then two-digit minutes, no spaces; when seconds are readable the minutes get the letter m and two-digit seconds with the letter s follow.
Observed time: 9h21m18s
